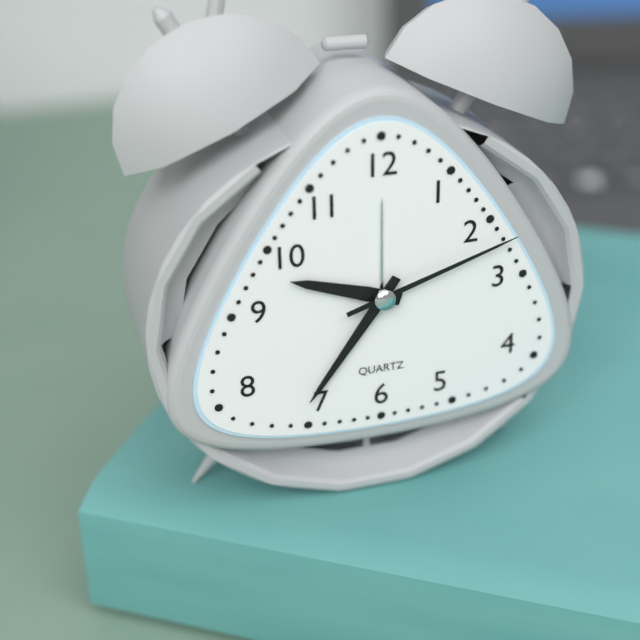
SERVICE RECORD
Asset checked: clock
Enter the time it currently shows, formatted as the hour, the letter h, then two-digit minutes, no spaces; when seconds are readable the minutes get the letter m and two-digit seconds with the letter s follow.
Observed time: 9h36m12s
